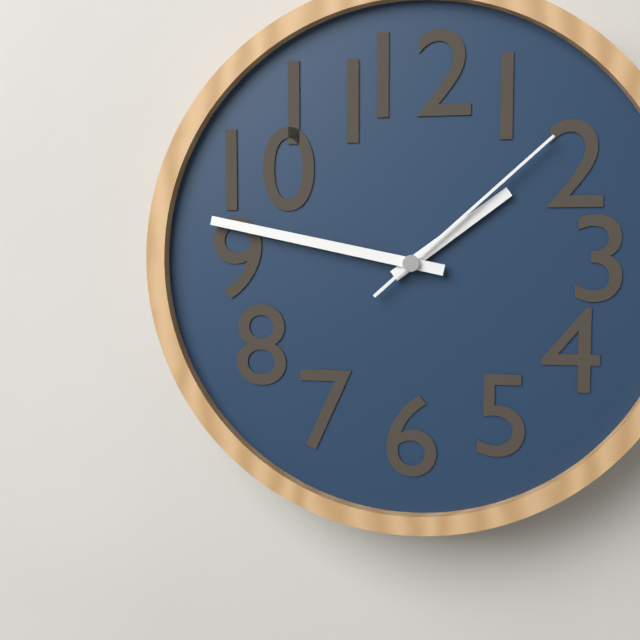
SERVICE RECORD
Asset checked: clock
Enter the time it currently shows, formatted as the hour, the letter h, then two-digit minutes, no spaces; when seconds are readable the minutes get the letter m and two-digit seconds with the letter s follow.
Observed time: 1h47m08s
